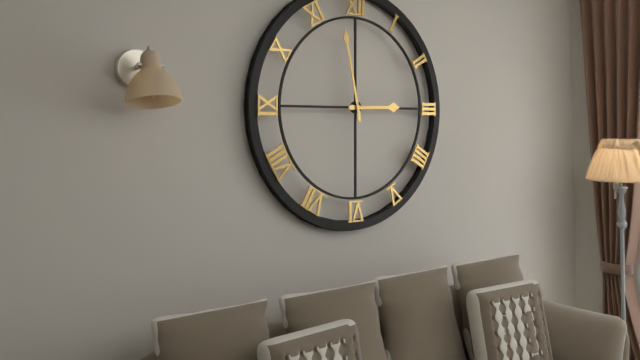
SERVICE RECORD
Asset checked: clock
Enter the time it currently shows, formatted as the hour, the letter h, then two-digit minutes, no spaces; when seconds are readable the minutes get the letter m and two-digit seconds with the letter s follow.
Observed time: 2h58
